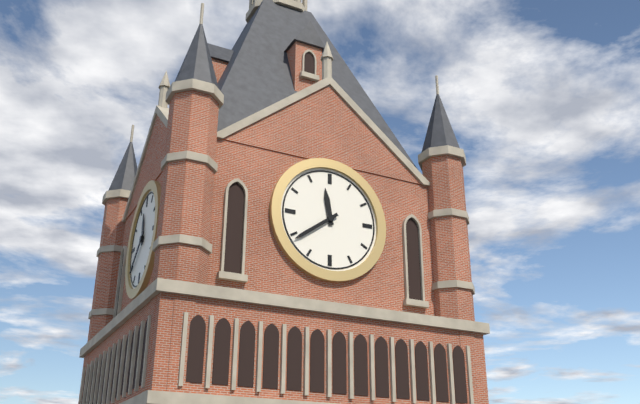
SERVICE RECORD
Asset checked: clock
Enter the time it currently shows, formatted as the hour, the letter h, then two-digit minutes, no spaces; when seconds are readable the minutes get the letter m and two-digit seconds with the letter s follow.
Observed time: 11h39
